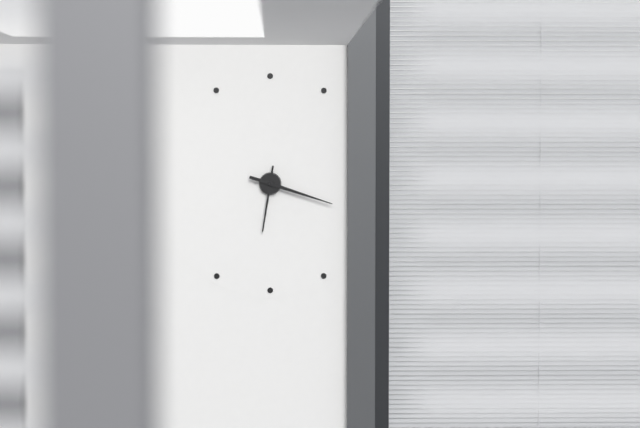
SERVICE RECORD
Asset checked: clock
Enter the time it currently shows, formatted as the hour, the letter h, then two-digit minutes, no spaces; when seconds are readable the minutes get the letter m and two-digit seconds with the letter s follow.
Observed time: 6h18
